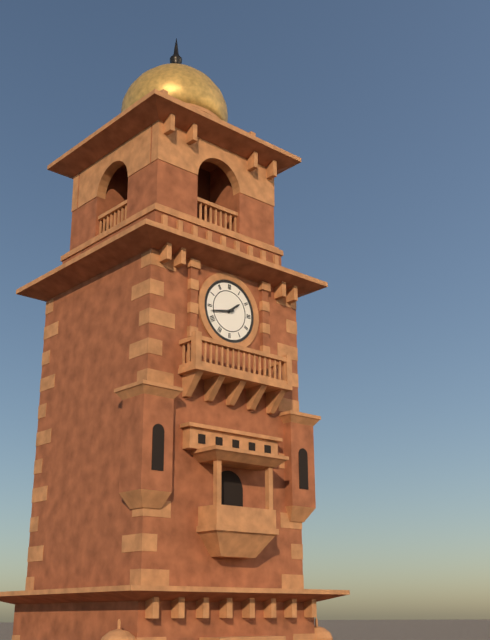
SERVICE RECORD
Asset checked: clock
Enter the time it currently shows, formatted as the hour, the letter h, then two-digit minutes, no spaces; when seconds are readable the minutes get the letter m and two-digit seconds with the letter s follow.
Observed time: 1h43
